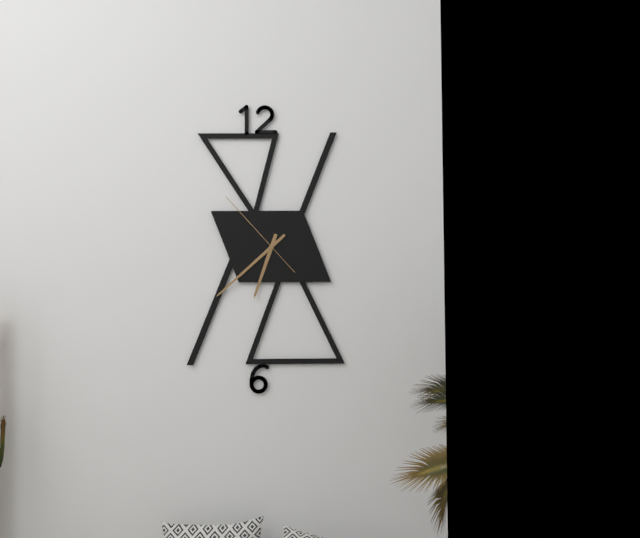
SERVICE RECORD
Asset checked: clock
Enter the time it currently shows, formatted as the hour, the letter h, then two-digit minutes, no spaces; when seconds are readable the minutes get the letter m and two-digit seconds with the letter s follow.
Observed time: 6h38m53s
